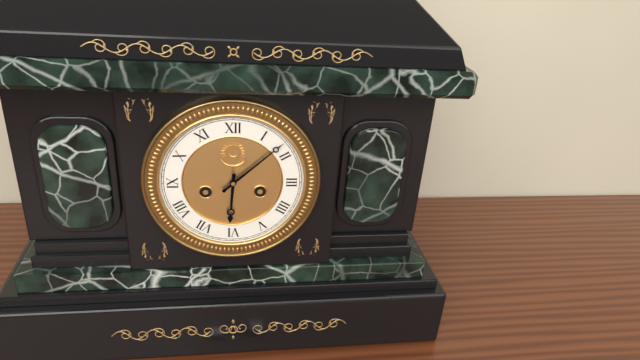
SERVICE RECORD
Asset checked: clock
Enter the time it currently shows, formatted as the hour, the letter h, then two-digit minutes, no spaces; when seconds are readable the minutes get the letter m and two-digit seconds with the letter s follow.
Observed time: 6h08
